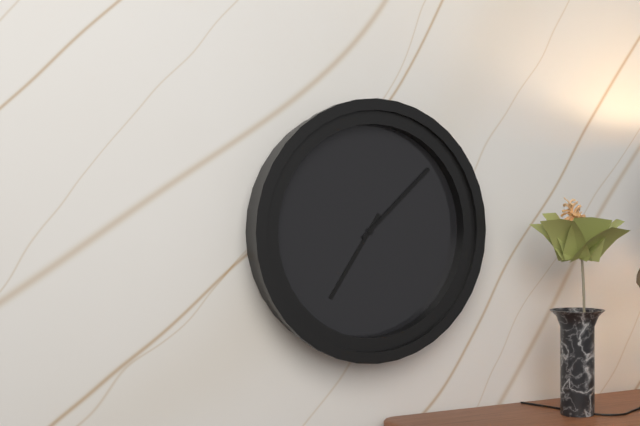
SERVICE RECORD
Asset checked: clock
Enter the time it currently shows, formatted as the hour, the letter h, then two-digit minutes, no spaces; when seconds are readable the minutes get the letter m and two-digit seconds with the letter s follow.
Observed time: 7h08
